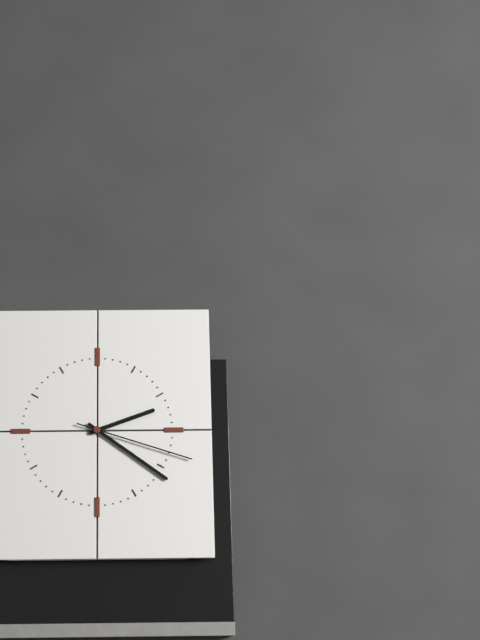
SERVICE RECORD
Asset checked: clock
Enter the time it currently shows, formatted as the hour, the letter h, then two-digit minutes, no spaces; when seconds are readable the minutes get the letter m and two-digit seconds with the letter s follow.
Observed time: 2h21m18s
